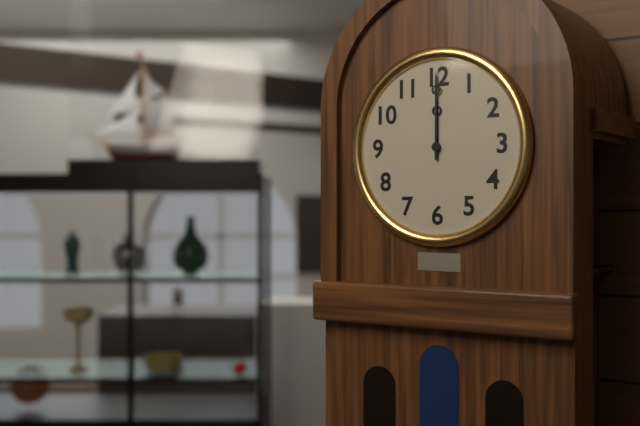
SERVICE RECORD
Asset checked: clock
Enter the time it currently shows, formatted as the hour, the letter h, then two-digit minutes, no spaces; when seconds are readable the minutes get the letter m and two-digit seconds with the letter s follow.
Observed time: 12h00
